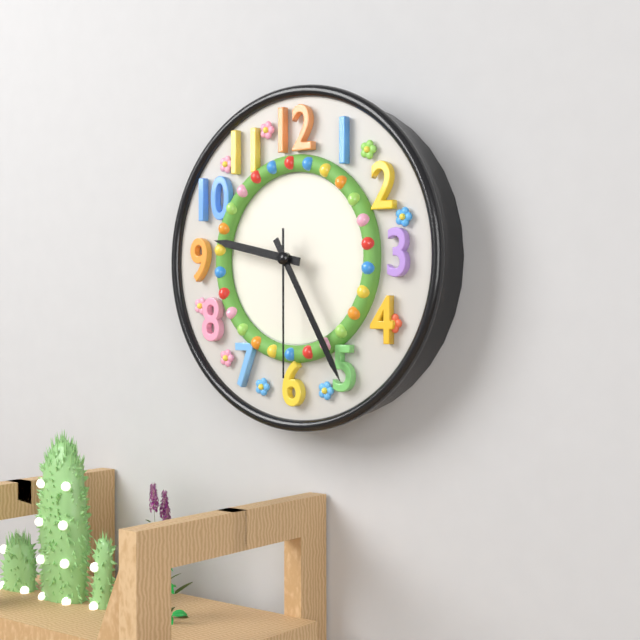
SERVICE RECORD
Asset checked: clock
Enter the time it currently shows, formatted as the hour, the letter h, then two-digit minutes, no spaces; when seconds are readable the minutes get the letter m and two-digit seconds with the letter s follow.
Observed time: 9h25m30s
